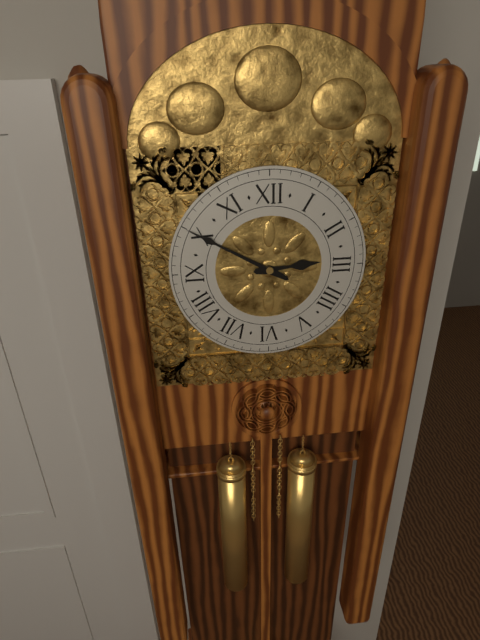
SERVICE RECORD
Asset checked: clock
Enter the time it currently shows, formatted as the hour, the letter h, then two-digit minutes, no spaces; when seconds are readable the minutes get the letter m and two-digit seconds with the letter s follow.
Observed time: 2h50
